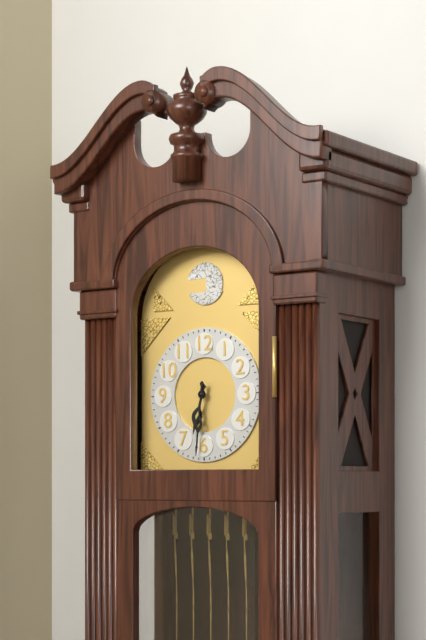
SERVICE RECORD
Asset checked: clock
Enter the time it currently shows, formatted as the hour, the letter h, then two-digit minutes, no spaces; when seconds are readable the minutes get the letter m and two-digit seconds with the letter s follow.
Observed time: 6h31
